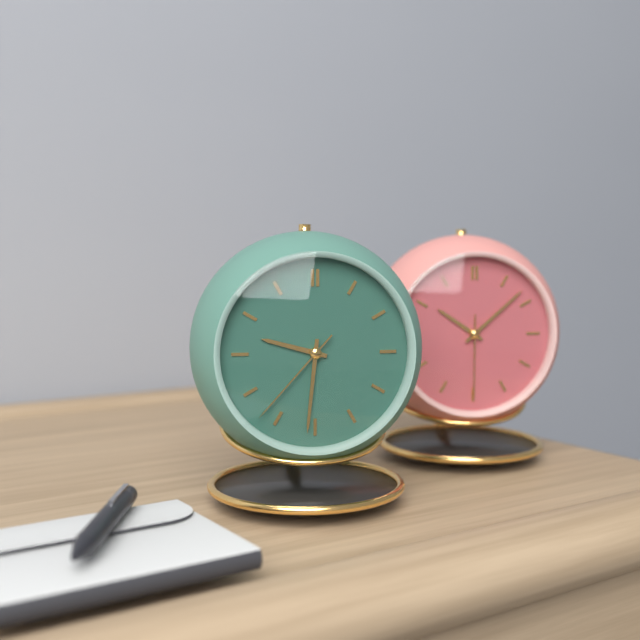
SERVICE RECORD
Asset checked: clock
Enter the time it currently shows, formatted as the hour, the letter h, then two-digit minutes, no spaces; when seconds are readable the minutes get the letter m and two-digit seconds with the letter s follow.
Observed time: 9h31m37s
